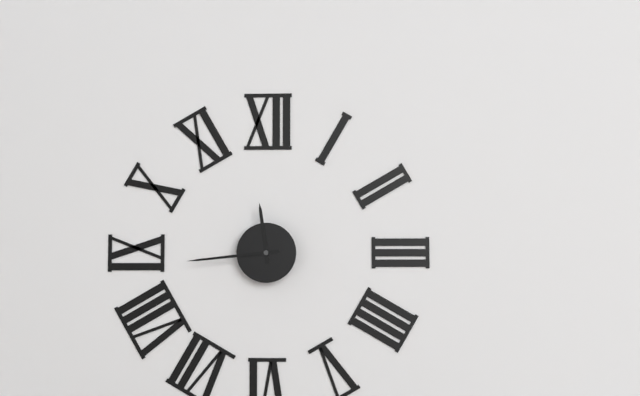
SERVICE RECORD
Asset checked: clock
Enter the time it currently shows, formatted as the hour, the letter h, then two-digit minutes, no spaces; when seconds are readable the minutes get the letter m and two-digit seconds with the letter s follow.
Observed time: 11h44
